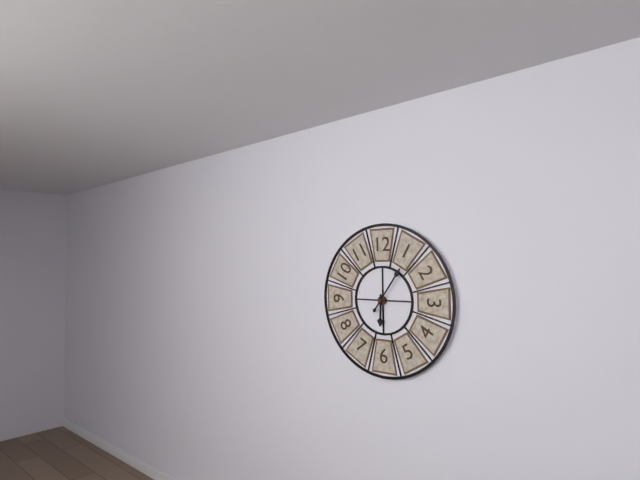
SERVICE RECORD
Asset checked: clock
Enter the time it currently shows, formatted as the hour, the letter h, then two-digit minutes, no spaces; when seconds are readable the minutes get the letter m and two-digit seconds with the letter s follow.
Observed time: 6h06
